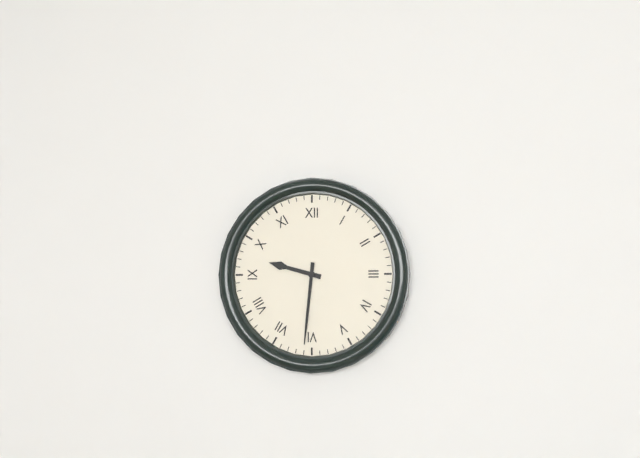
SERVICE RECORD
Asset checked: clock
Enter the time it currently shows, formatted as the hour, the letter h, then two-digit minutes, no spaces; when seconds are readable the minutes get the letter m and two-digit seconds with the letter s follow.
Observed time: 9h31
